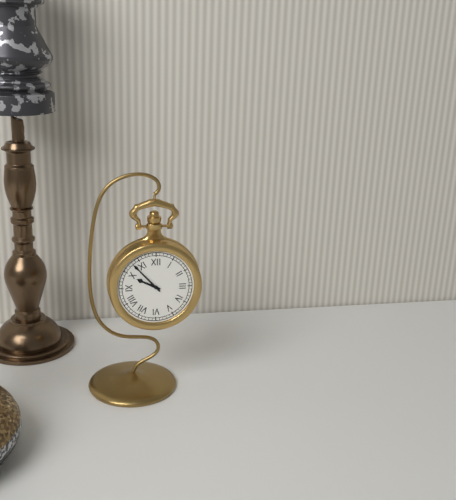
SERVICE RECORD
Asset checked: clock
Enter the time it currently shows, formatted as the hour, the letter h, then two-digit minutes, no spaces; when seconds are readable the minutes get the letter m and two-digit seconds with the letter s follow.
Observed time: 9h53
